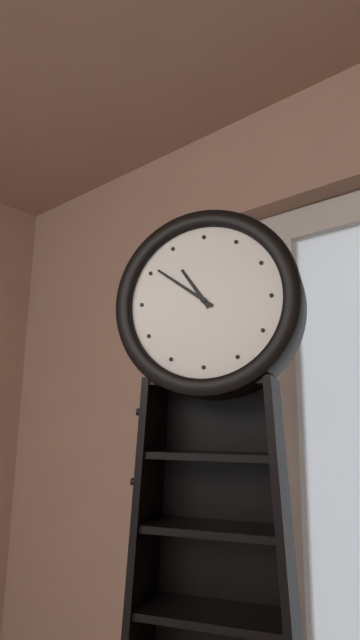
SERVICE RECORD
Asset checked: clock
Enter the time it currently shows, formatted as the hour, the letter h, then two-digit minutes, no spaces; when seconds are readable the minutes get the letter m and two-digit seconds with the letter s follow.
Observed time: 10h51
